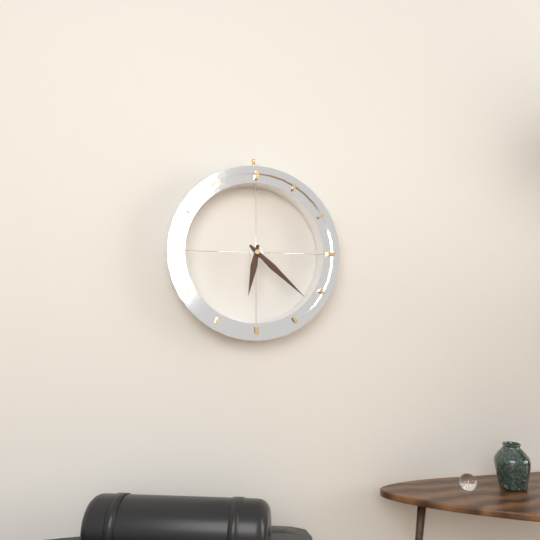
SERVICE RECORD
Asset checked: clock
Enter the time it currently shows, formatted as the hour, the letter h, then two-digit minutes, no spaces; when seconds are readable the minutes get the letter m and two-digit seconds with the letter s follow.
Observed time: 6h22
